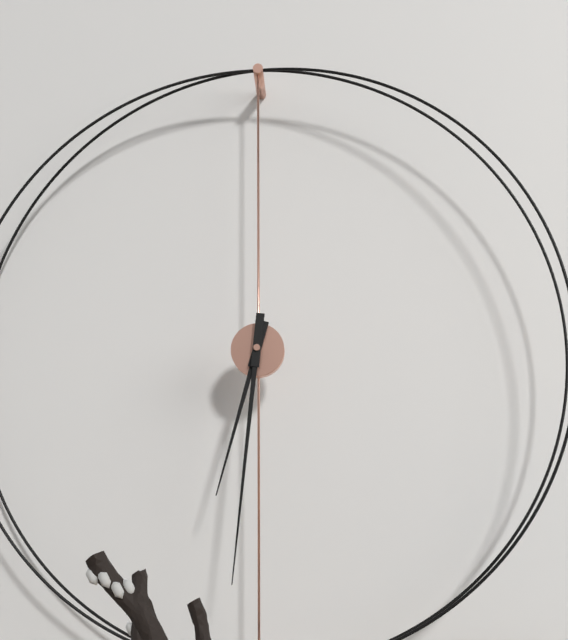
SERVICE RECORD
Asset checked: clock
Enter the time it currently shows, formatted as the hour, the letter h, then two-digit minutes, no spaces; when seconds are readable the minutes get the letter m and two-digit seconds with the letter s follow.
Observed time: 6h31
